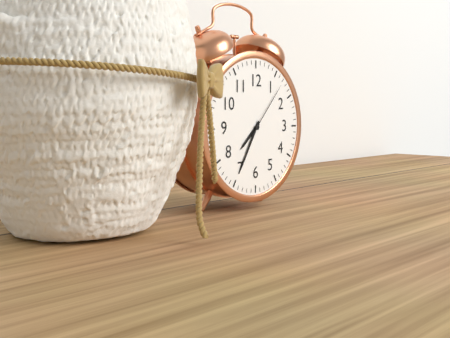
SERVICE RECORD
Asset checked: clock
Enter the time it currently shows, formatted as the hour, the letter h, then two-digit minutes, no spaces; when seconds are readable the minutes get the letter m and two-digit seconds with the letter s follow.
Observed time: 7h35m07s
